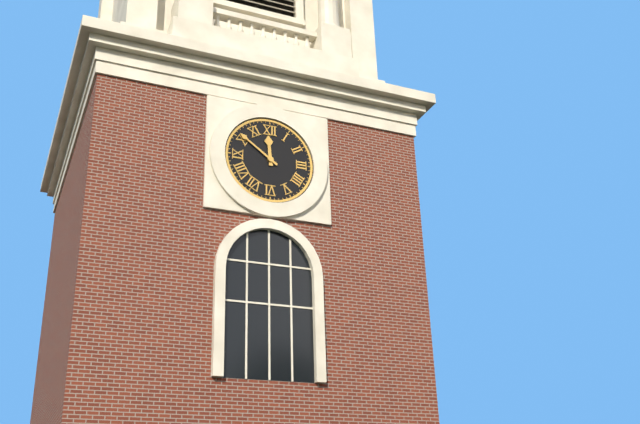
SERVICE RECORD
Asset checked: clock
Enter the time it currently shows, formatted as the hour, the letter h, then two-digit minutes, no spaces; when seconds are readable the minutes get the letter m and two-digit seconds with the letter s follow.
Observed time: 11h51
